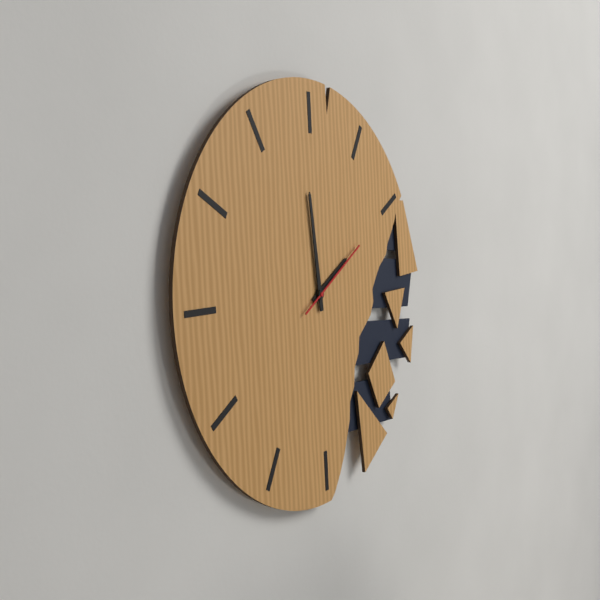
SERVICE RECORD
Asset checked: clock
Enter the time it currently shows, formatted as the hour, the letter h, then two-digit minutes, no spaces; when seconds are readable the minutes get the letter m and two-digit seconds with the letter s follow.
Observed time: 1h59m10s
